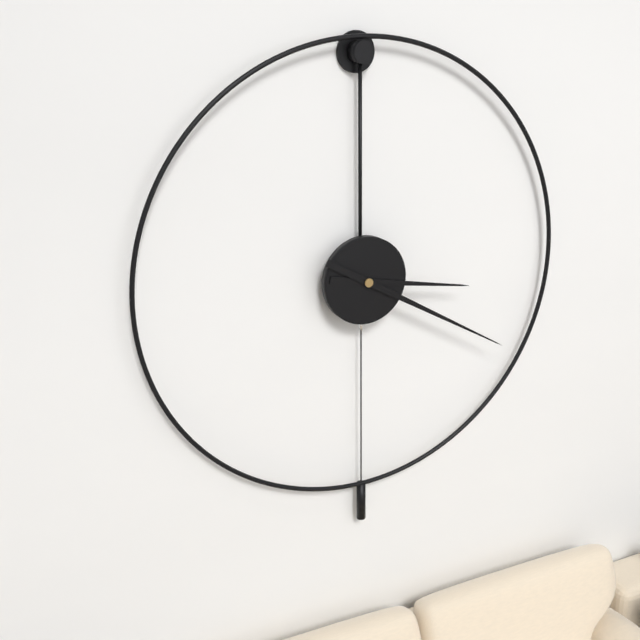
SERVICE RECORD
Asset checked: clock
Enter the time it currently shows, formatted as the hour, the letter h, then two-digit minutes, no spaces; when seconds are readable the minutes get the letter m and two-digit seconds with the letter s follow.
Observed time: 3h20
